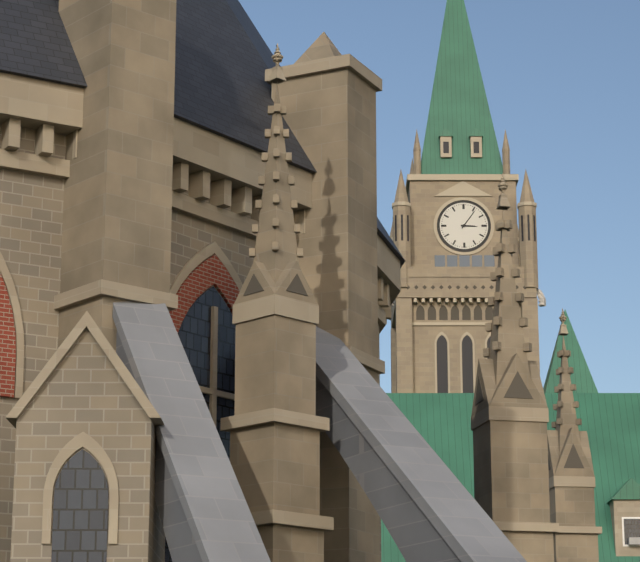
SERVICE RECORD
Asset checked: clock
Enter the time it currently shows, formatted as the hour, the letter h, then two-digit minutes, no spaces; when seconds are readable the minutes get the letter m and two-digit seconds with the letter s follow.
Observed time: 3h06
